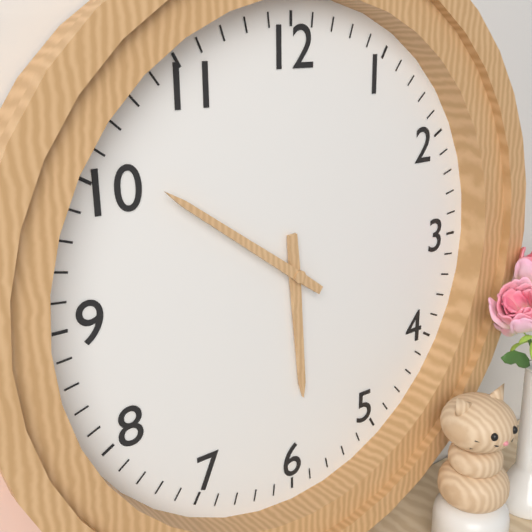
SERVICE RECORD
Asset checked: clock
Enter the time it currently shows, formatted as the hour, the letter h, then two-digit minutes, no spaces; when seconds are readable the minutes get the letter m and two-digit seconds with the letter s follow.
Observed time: 5h51
